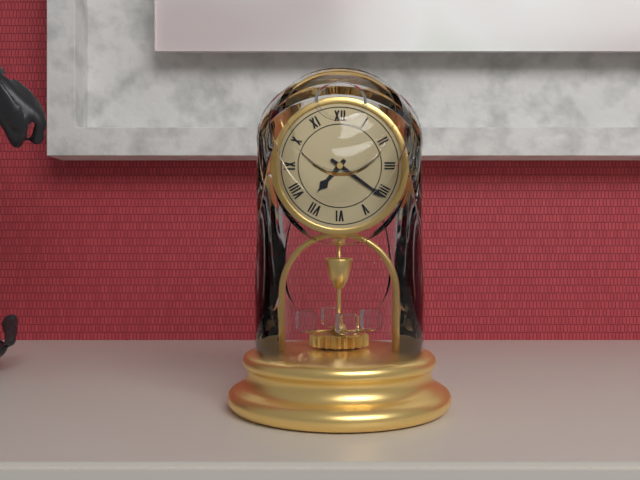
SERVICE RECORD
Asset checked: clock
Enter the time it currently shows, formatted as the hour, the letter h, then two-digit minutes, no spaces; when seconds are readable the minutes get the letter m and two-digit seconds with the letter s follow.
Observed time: 7h21
